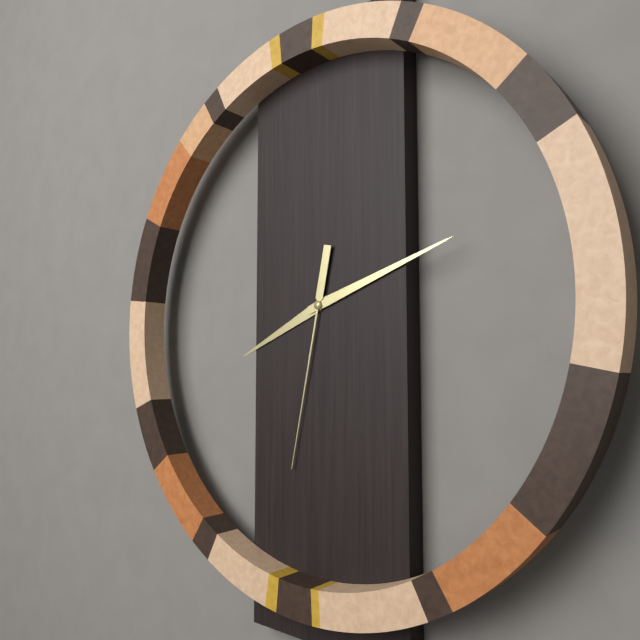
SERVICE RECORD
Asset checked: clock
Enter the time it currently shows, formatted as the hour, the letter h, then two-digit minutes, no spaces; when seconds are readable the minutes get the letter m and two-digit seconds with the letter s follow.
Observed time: 8h12m32s
